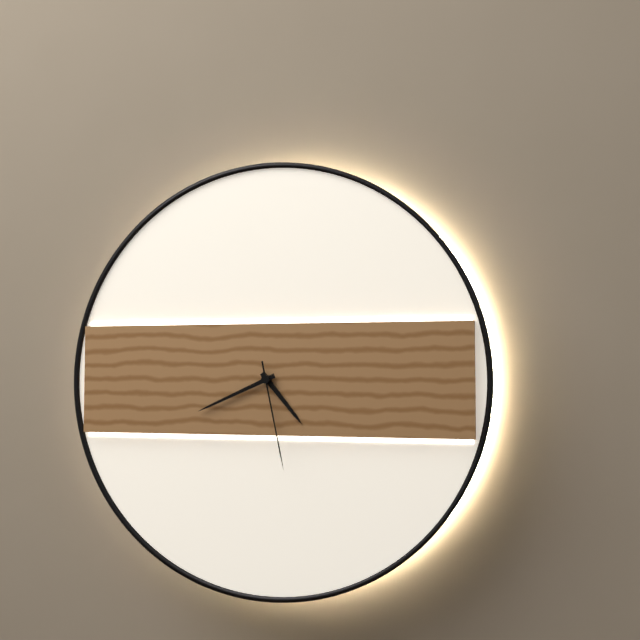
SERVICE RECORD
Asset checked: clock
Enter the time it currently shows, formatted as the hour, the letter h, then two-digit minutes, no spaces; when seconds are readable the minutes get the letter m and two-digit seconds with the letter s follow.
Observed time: 4h41m28s
